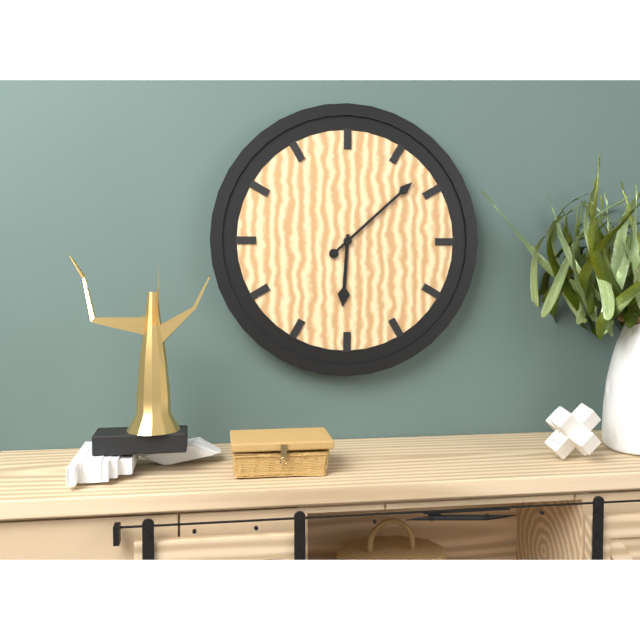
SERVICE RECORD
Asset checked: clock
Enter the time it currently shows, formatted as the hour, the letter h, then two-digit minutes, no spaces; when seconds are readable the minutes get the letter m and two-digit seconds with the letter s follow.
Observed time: 6h08
